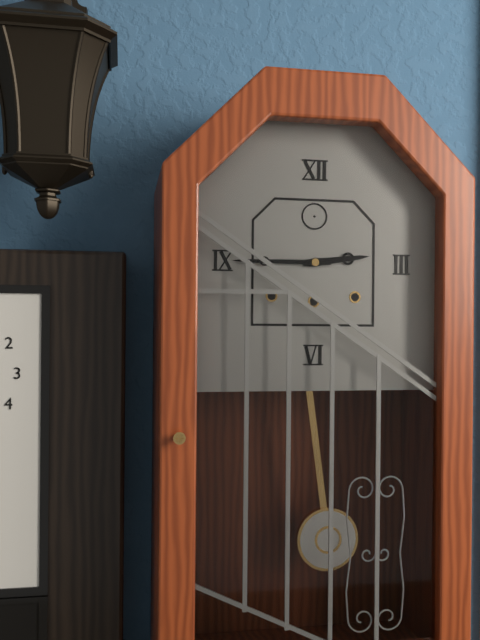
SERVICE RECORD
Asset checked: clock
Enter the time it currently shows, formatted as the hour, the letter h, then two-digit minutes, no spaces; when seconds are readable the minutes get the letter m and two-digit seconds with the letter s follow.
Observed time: 2h45
